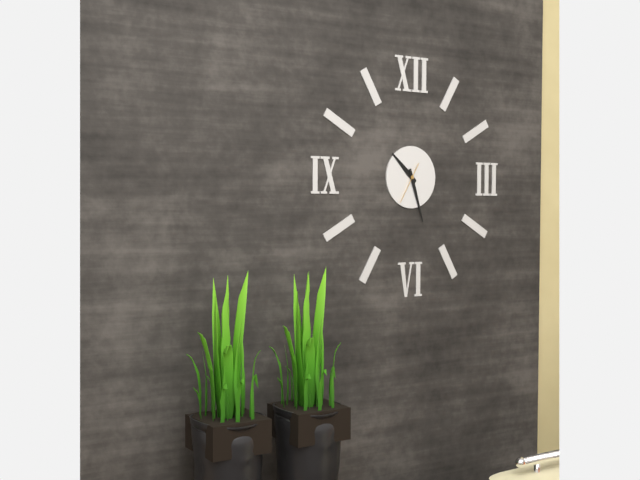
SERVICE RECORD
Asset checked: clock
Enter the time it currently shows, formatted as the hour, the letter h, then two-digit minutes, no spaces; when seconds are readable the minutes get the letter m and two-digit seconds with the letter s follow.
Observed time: 10h27
